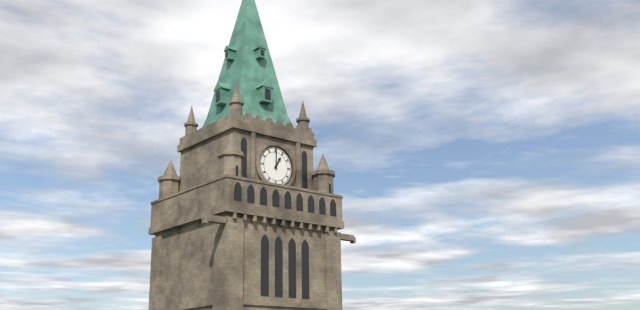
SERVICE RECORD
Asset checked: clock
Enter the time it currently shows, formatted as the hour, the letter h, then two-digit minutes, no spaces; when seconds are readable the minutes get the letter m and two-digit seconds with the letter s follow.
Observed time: 1h00
